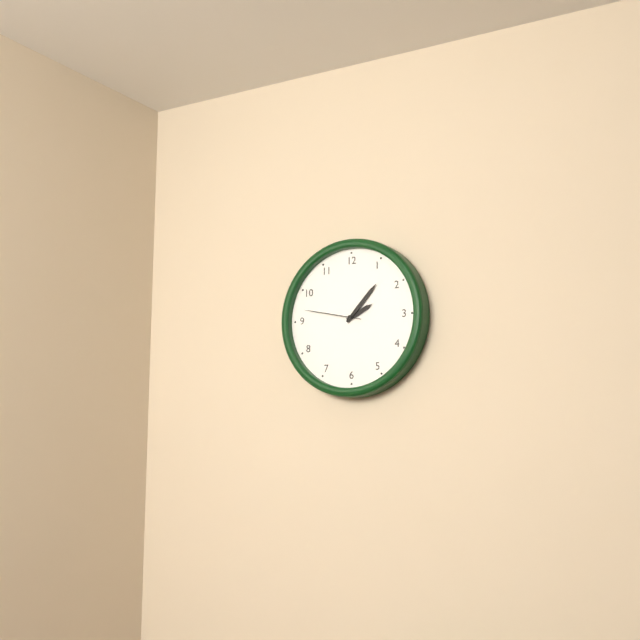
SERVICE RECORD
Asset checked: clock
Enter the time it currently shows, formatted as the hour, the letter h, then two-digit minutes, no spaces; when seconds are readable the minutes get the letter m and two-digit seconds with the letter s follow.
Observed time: 2h07m47s
